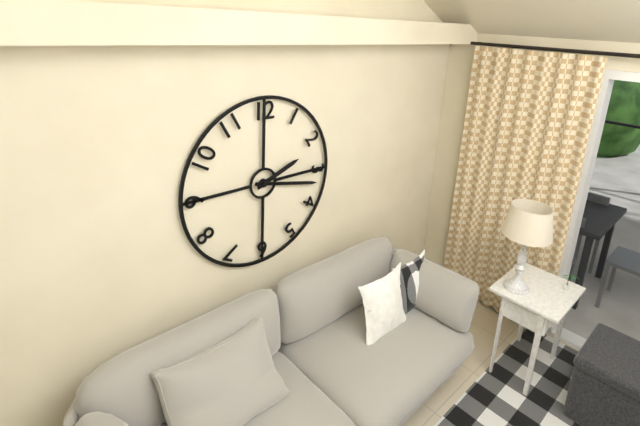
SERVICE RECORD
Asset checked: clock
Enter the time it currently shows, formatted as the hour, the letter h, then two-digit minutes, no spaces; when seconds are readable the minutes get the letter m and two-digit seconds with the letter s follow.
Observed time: 2h17
